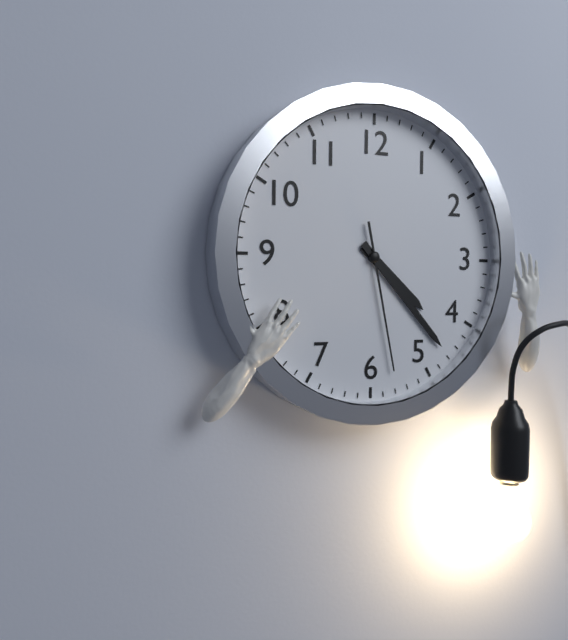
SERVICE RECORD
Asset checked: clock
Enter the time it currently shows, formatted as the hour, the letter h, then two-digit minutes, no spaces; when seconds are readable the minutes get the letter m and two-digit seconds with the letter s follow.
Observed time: 4h23m28s
